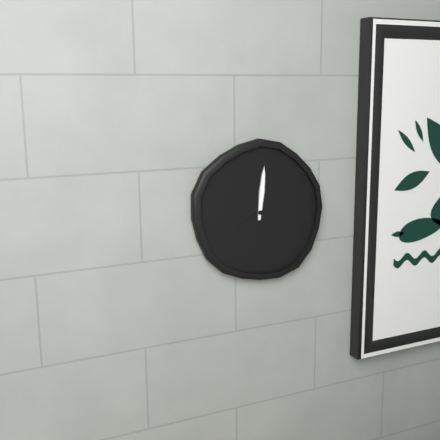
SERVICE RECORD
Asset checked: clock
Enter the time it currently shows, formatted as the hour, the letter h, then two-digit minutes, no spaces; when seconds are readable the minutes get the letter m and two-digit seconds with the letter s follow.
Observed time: 8h01
